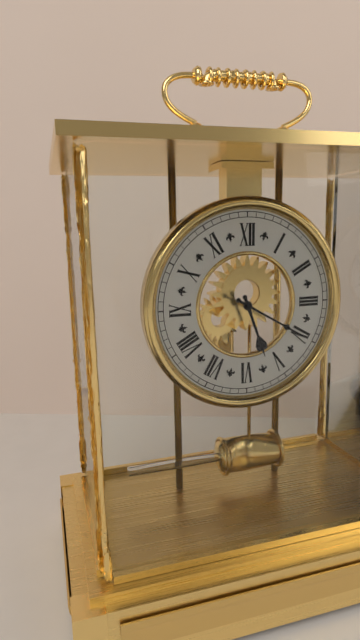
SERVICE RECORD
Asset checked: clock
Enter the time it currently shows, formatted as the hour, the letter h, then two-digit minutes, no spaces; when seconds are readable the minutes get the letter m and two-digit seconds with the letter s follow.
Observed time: 5h20
